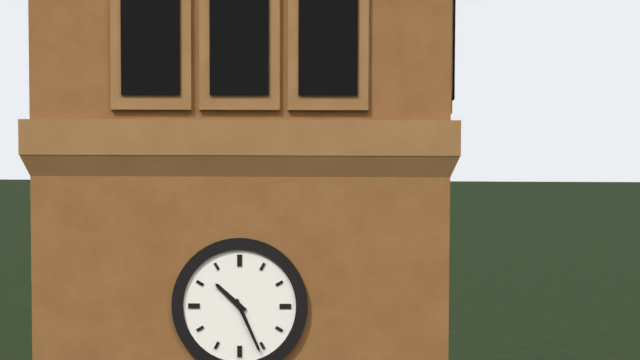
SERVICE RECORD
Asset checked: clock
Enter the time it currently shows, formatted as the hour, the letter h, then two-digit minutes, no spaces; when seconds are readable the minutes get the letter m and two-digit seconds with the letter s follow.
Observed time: 10h26
